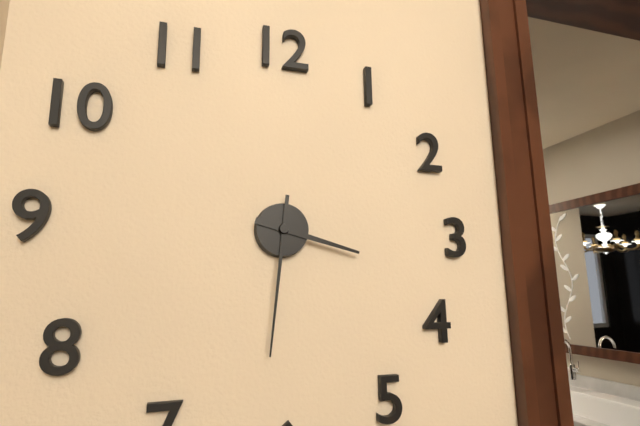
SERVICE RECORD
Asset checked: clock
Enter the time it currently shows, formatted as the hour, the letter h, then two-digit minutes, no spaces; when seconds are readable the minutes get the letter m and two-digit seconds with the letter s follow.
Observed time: 3h31
